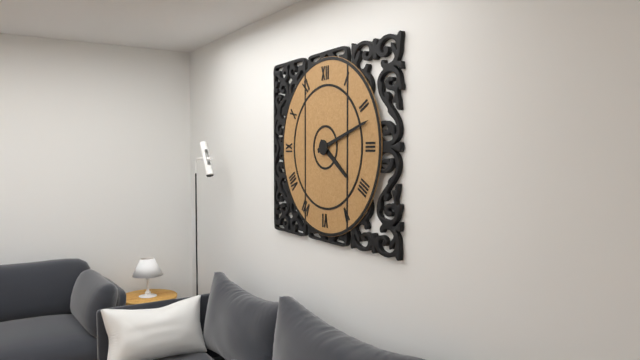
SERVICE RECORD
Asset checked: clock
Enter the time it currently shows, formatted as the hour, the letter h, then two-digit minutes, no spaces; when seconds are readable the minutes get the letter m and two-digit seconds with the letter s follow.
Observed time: 4h12
